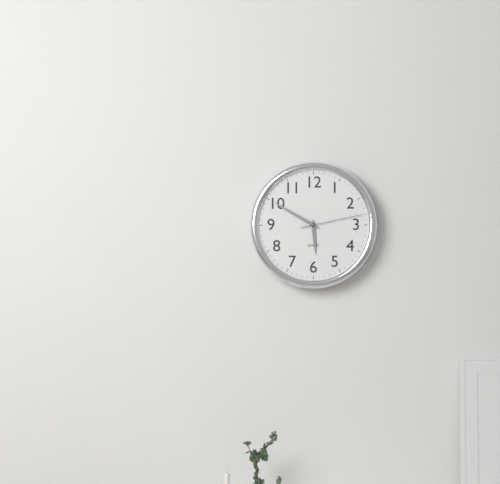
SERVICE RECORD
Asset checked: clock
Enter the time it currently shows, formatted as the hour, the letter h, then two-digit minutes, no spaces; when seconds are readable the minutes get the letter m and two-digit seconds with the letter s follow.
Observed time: 5h50m13s
